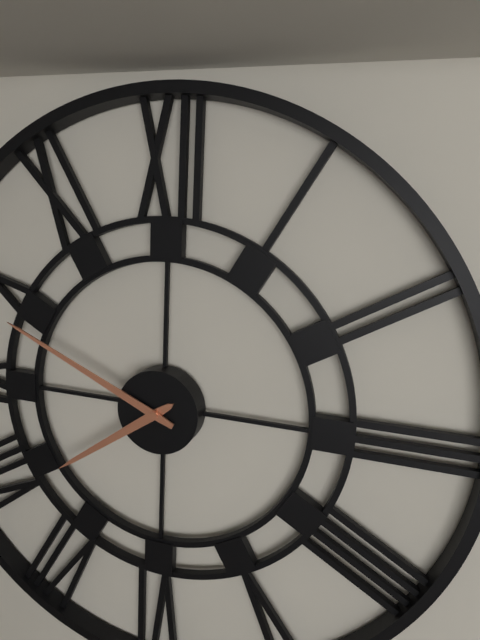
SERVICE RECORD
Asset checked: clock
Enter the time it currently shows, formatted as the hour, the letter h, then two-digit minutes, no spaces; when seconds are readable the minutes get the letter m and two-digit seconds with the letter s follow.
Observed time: 7h49
